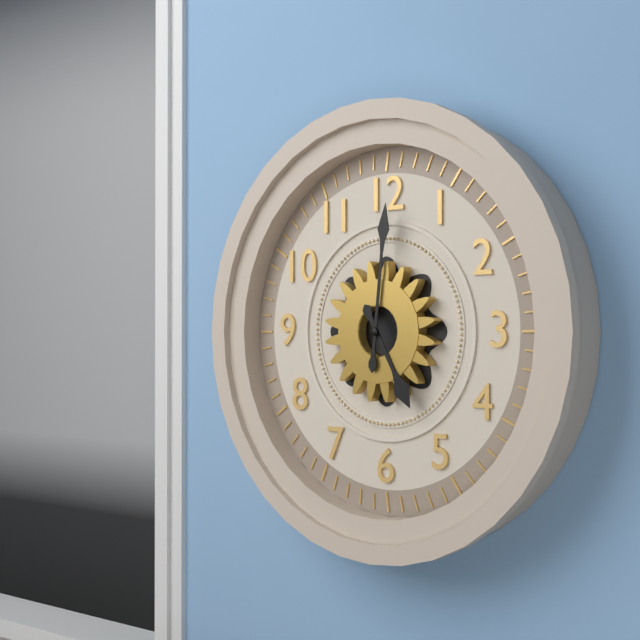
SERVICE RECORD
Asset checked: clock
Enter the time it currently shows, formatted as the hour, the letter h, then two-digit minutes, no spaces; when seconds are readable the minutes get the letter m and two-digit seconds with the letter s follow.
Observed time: 5h01
